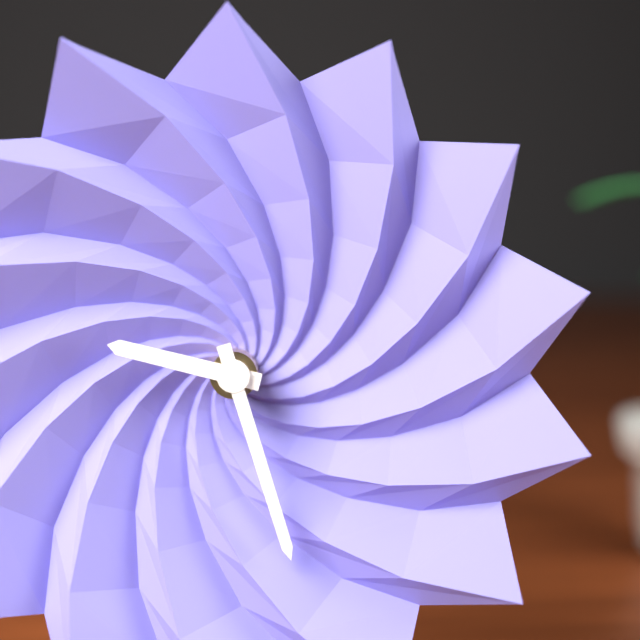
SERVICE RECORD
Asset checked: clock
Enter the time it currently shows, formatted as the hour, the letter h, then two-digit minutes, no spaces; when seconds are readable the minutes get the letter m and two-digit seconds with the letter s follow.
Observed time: 9h27
